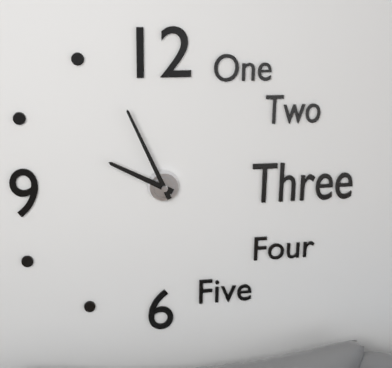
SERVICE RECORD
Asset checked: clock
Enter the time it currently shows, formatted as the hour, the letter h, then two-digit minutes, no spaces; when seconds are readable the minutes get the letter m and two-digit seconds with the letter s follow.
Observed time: 9h56
